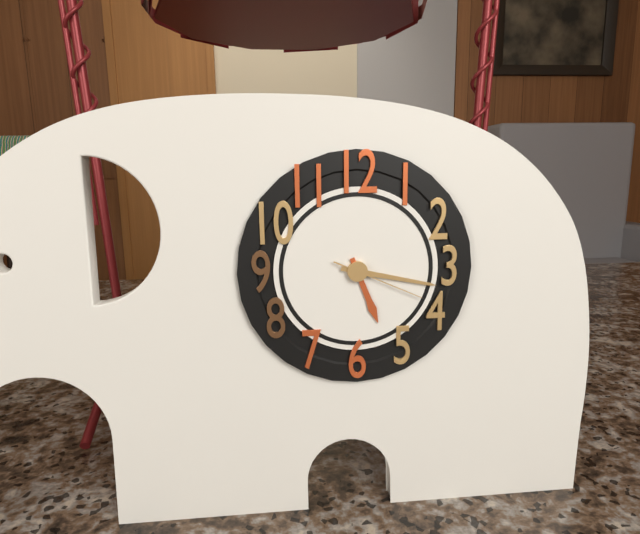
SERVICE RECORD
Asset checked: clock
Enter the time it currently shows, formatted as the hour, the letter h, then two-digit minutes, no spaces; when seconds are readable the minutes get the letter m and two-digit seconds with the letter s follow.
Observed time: 5h17m19s
